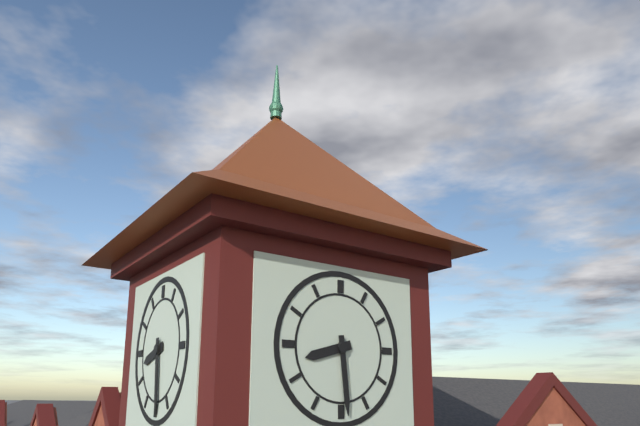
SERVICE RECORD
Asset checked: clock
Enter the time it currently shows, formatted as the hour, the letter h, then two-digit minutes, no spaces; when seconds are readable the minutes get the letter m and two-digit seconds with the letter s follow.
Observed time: 8h29
